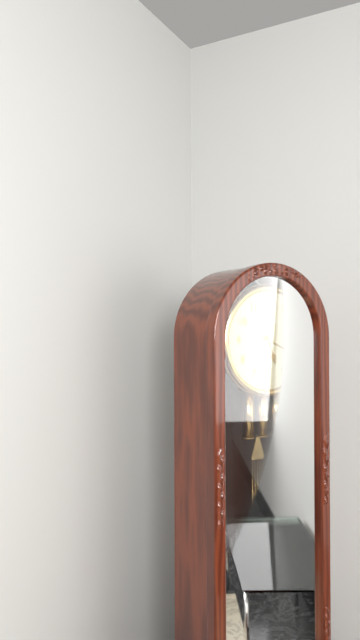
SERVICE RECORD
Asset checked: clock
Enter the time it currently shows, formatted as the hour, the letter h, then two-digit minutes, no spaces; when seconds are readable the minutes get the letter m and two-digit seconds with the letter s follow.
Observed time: 5h19
